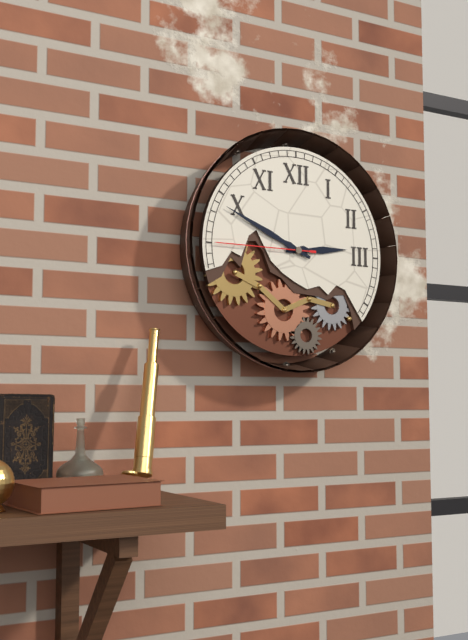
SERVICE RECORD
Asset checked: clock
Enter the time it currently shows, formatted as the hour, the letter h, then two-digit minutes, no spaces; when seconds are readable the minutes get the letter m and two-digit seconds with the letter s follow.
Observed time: 2h49m45s
